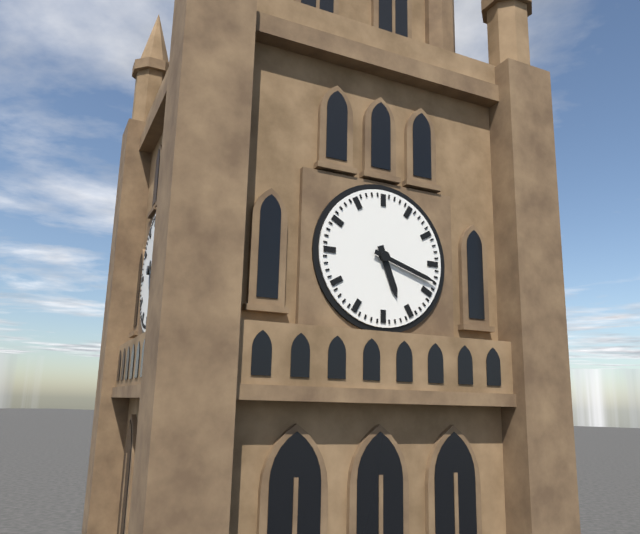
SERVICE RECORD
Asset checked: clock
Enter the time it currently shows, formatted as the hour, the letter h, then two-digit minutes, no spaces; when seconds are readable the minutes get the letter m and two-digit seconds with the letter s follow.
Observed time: 5h18
